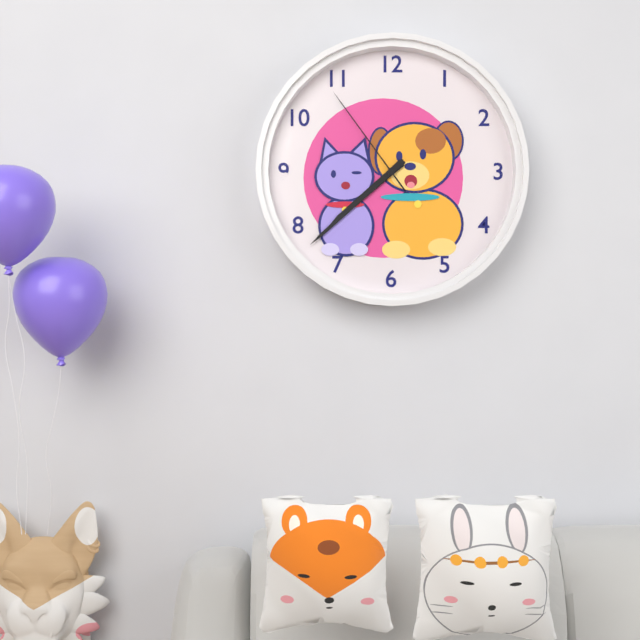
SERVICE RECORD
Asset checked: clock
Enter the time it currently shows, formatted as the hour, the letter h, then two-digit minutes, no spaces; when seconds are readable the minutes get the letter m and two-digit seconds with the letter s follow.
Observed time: 7h38m54s
